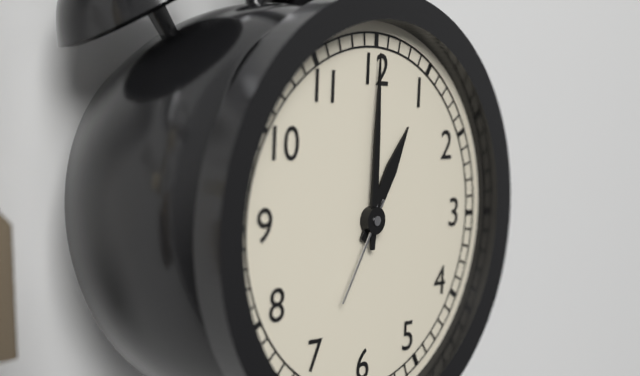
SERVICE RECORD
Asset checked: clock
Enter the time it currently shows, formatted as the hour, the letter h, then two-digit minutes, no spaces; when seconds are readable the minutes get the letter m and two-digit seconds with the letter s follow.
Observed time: 1h00m35s
